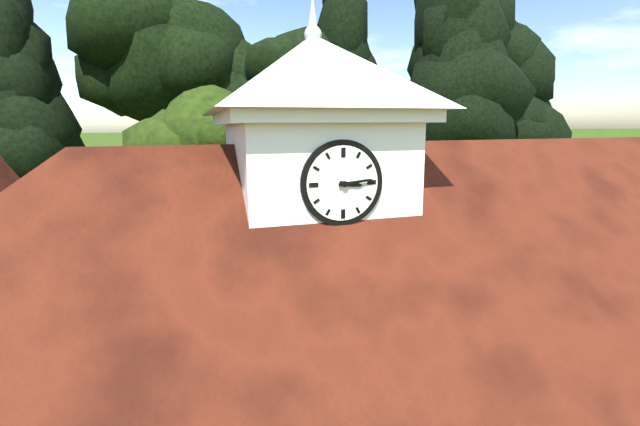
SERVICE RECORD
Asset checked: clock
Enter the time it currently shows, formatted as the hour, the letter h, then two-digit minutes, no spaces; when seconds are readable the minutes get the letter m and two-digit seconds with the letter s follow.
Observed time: 3h14
